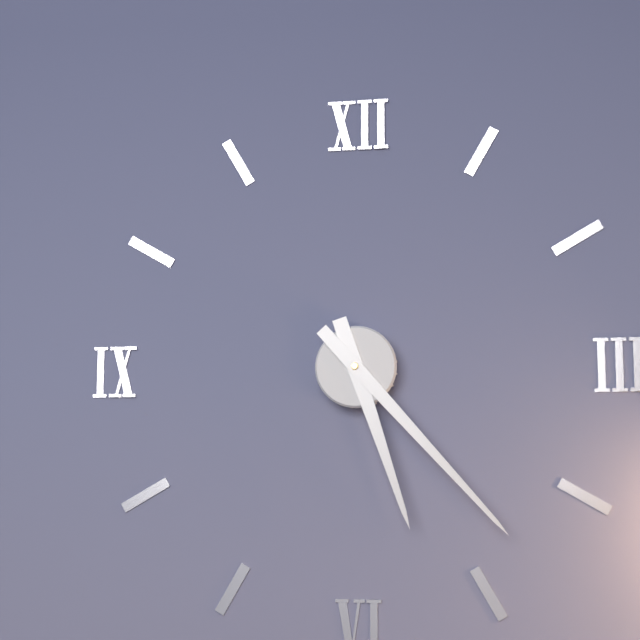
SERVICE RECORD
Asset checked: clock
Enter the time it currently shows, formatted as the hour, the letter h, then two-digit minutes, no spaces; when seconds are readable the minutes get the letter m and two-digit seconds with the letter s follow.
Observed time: 5h23
